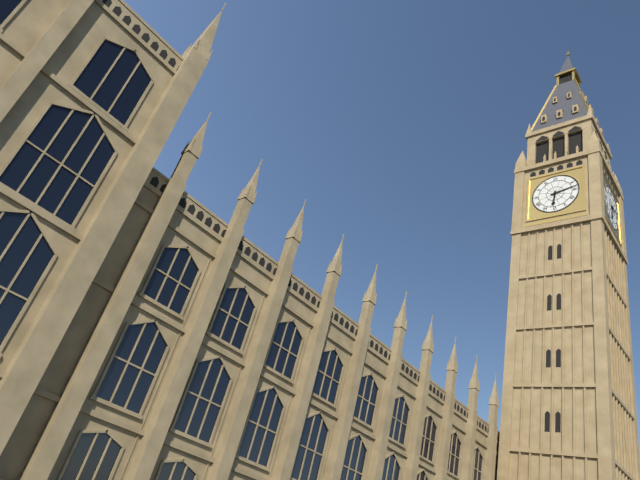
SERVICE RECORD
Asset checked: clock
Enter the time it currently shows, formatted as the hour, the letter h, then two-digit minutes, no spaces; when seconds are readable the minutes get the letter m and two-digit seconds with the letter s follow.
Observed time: 6h13
